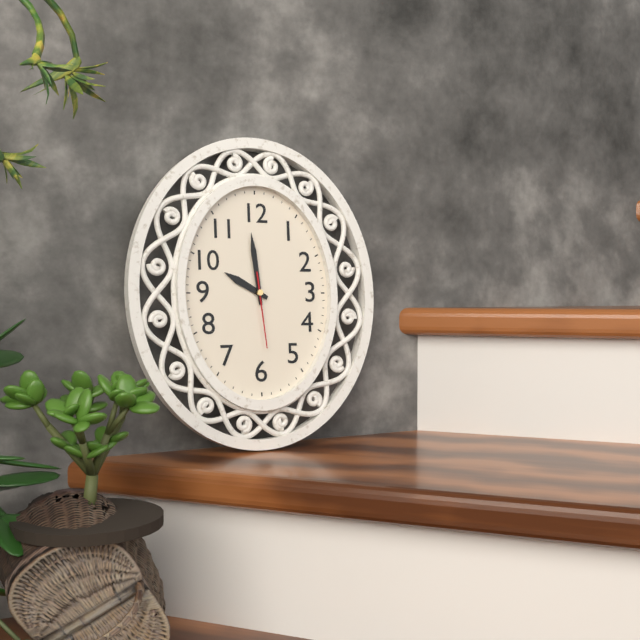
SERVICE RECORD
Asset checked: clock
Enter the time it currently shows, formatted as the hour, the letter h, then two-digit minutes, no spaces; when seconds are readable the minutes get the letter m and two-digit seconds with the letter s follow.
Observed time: 9h59m29s
